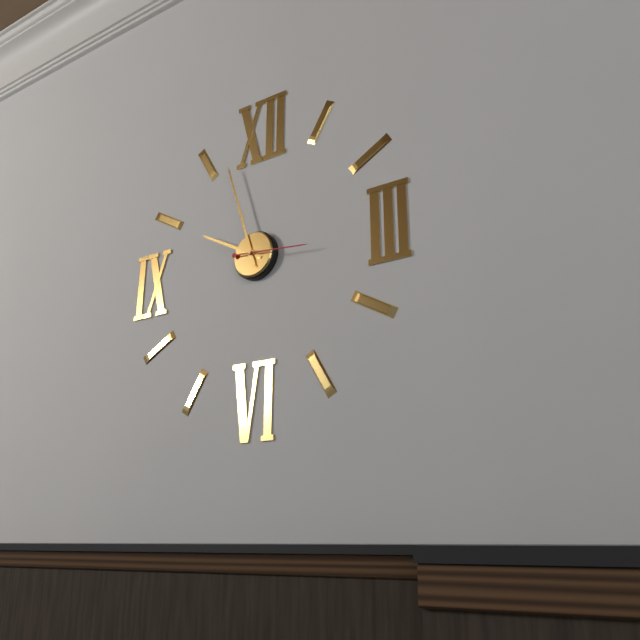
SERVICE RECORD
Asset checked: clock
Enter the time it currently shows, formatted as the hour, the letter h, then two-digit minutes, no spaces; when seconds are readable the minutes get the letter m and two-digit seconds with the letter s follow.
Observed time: 9h57m16s
